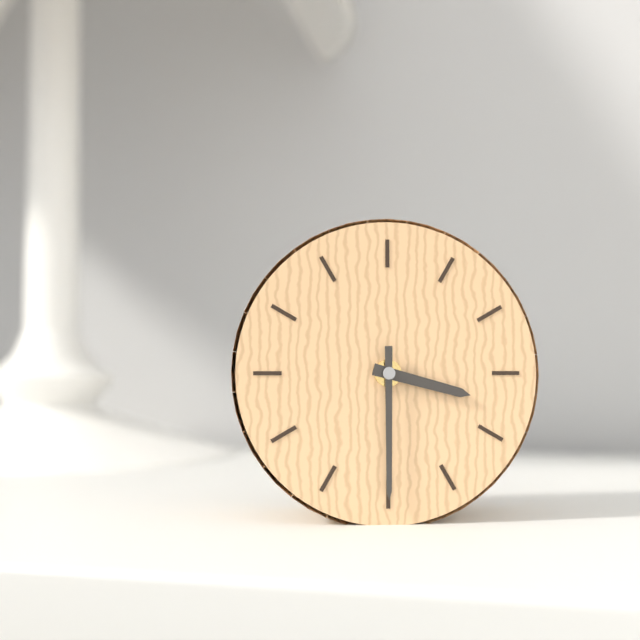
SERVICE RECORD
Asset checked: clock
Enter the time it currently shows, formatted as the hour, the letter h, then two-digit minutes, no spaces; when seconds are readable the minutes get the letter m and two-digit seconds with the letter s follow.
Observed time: 3h30
